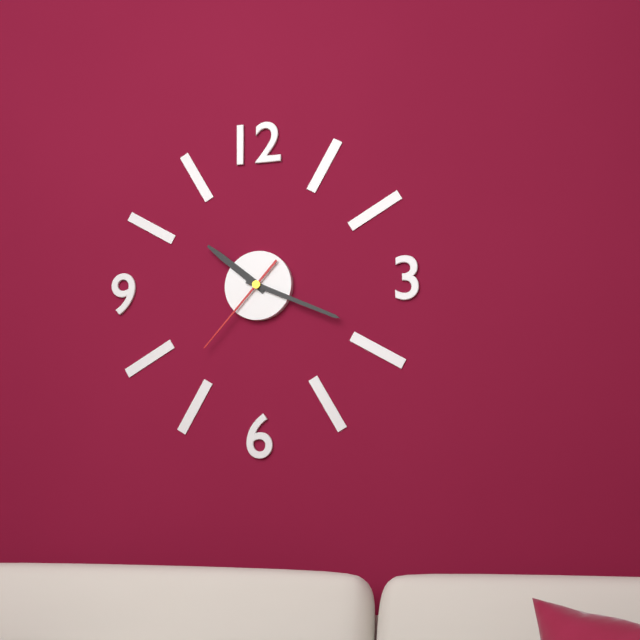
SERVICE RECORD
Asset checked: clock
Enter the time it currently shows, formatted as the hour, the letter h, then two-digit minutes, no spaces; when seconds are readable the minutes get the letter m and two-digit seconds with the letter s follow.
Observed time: 10h19m37s
